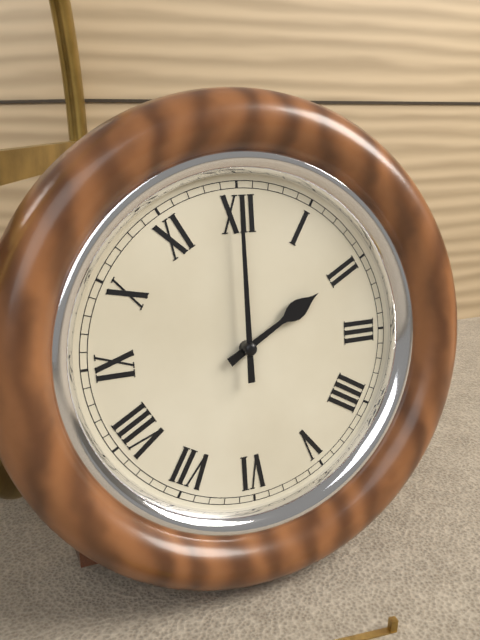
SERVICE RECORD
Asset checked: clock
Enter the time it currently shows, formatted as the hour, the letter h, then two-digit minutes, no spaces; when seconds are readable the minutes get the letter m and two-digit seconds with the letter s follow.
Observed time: 2h00
